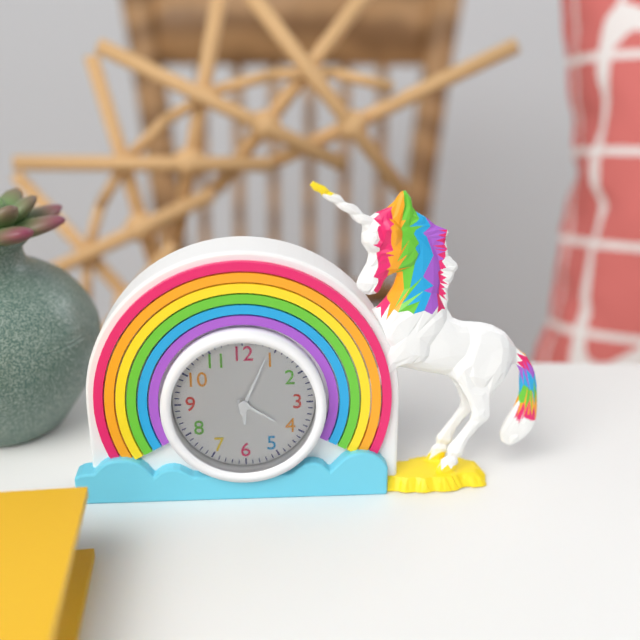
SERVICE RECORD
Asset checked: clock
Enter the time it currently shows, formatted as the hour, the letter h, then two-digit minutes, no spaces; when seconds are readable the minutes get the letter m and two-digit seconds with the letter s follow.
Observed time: 4h04
